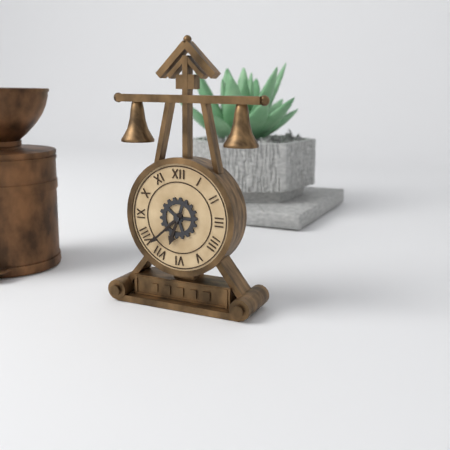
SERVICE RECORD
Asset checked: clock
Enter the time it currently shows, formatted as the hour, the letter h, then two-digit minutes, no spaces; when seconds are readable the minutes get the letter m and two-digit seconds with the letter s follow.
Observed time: 6h38
